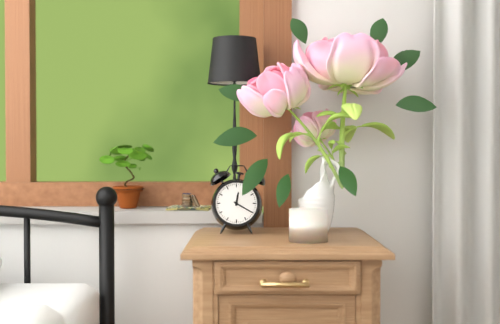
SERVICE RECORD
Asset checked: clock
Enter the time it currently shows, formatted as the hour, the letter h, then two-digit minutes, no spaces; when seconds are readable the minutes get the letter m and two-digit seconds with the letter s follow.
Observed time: 12h20
